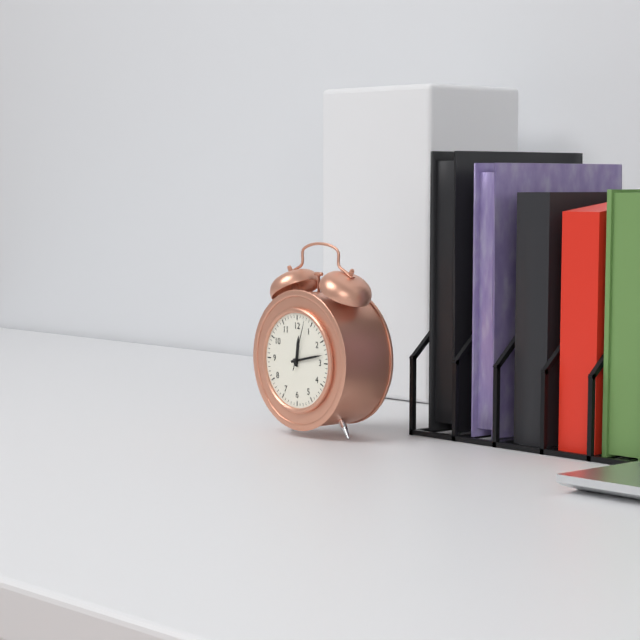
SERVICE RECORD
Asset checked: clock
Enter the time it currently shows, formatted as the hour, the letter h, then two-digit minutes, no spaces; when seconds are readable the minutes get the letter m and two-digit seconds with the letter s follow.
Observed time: 12h13m03s
